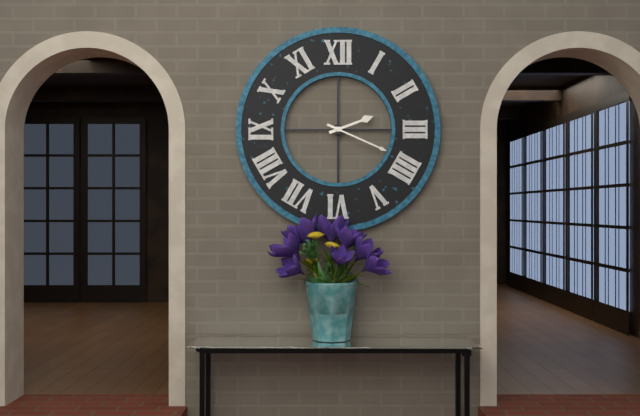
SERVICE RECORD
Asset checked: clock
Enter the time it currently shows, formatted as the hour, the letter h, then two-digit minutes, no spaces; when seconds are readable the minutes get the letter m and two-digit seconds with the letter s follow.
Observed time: 2h19
